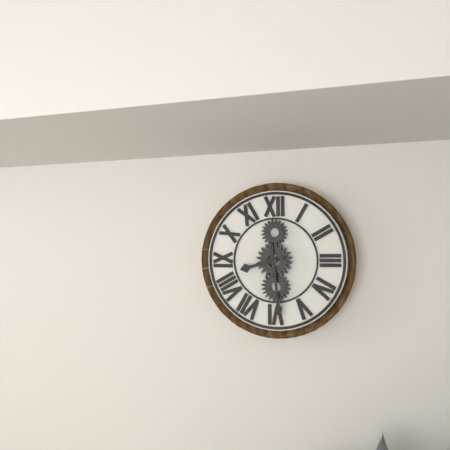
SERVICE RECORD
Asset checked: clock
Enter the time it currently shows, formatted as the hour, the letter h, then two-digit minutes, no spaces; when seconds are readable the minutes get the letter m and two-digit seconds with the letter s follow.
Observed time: 8h29
